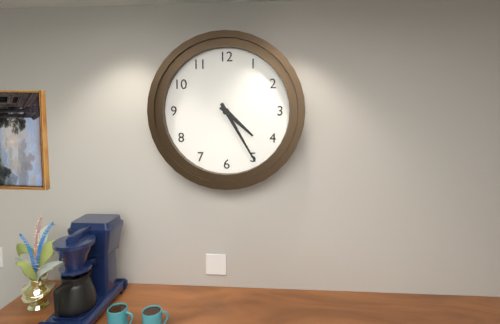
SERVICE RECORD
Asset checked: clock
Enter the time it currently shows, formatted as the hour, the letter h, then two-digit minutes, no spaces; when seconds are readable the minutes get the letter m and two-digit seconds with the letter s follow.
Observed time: 4h25
